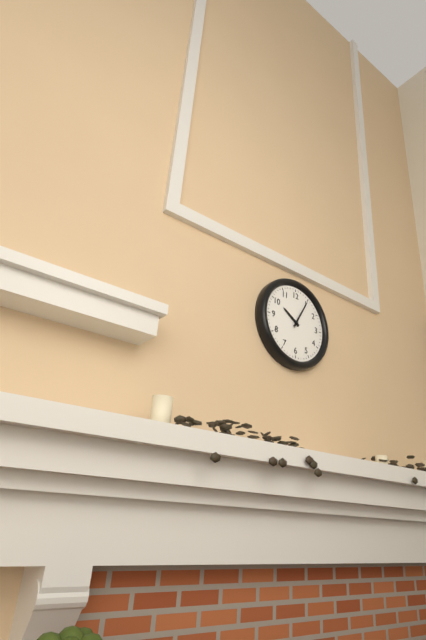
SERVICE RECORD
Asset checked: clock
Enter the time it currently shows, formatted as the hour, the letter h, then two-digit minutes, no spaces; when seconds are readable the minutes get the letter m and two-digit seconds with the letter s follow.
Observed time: 10h05
